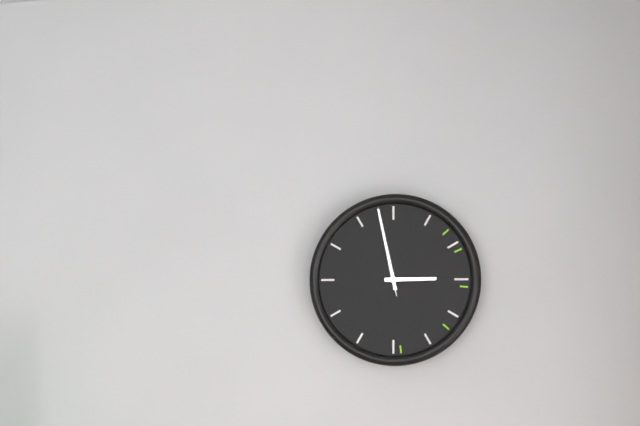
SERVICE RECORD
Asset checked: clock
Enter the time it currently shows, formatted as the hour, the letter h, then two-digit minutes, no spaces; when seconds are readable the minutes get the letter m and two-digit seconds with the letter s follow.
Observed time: 2h58m58s
